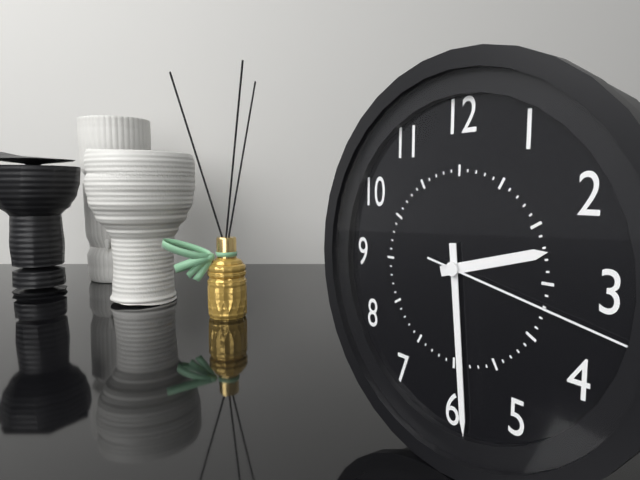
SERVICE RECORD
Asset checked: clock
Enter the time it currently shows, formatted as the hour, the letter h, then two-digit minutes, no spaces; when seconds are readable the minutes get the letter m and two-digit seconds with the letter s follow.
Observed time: 2h29
